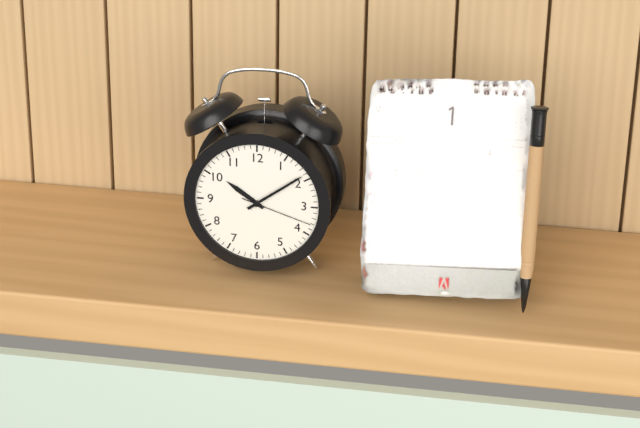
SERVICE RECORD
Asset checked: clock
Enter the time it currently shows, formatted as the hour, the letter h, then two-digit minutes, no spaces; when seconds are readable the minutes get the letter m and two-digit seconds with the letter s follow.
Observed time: 10h09m18s
